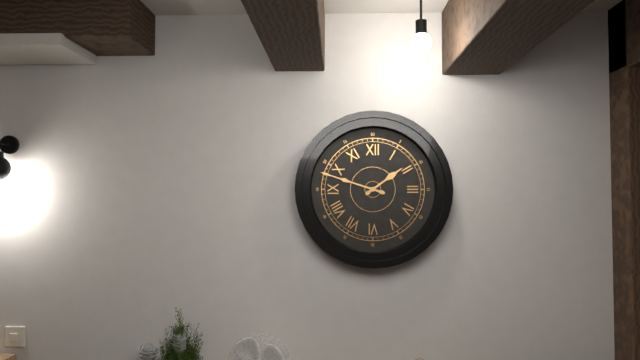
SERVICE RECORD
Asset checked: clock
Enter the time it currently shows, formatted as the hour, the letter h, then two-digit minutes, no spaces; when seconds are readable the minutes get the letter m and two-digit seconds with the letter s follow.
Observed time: 1h48
